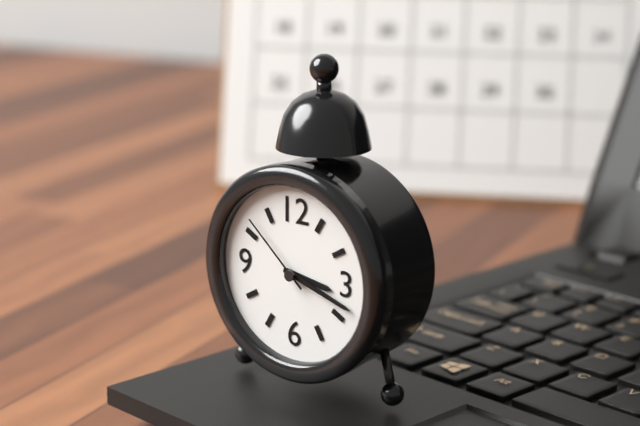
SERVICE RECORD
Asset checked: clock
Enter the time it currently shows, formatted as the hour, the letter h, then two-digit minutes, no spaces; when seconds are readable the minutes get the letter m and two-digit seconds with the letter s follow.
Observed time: 3h18m52s
